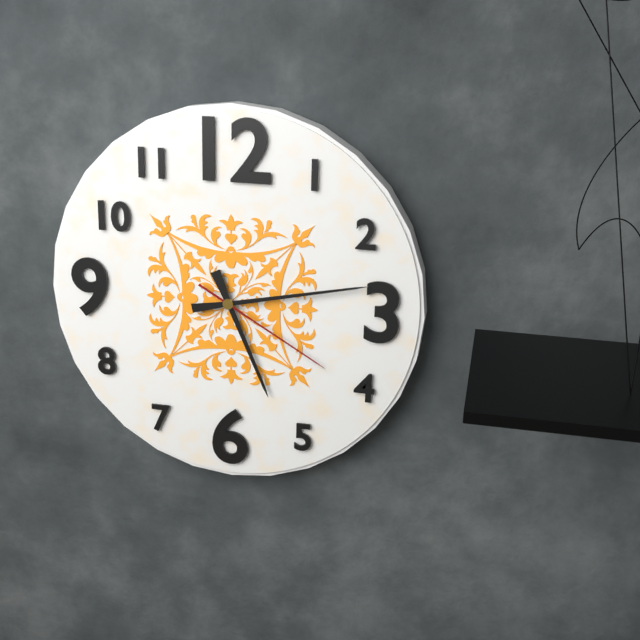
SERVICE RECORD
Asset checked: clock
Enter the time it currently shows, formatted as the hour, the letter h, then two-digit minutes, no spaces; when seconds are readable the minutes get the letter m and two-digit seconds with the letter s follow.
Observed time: 5h13m20s
